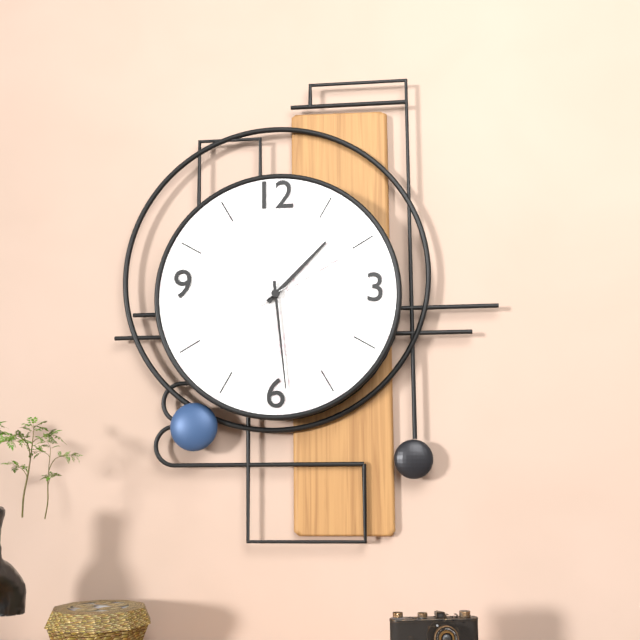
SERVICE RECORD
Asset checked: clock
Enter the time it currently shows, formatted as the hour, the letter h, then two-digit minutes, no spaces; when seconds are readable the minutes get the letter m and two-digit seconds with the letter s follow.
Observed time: 1h29m10s
